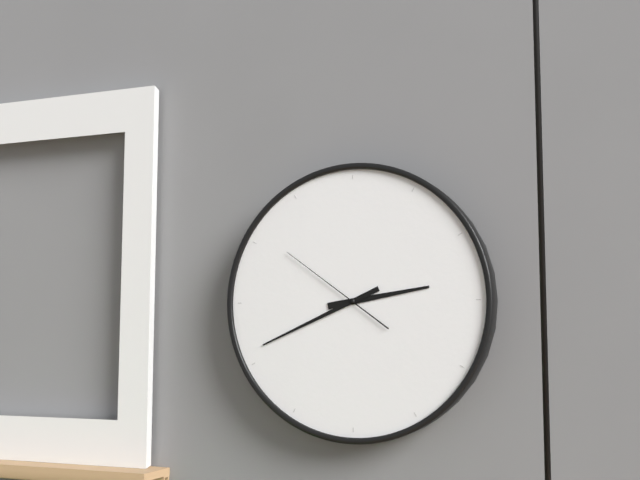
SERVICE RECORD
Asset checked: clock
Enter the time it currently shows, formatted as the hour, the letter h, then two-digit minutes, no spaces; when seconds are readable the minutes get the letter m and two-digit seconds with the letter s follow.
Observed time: 2h41m51s
